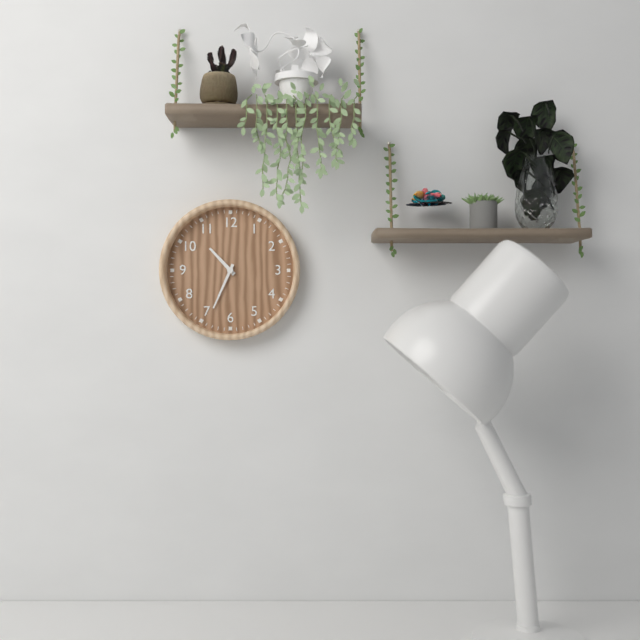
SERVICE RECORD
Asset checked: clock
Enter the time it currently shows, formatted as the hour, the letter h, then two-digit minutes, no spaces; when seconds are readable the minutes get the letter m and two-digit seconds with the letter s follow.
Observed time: 10h34
